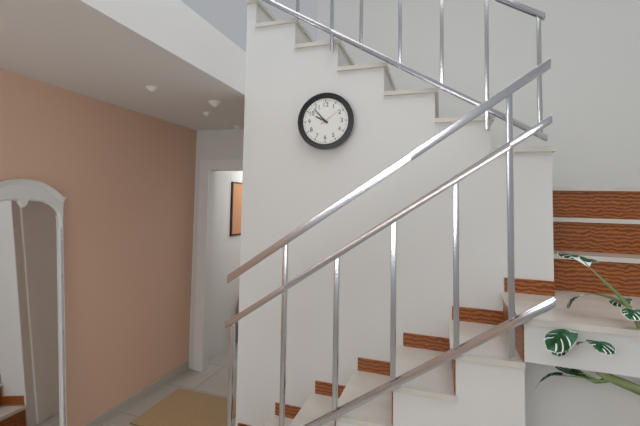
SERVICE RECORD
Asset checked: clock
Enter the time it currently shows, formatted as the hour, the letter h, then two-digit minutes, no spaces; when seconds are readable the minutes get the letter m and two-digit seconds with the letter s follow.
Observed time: 9h53
